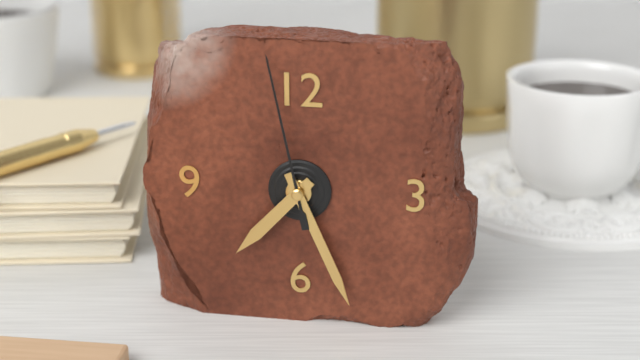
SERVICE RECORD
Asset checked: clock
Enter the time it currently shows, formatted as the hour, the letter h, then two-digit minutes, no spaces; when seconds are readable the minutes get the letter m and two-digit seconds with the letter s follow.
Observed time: 7h26m58s
